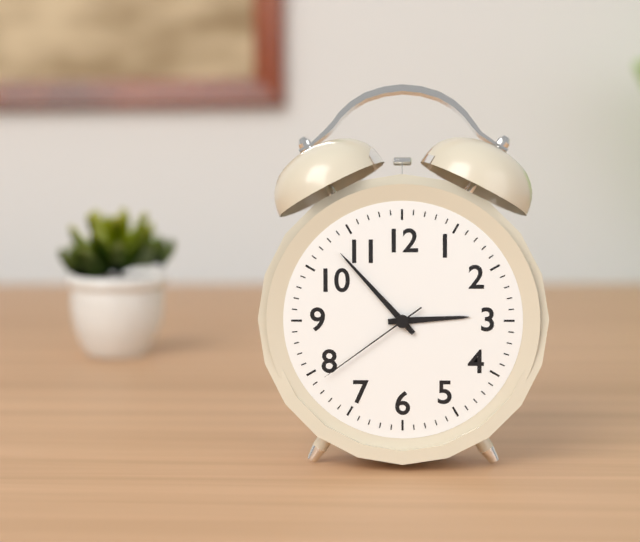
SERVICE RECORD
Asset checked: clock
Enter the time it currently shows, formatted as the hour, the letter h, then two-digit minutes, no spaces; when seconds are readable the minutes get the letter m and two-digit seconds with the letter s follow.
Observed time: 2h53m39s
